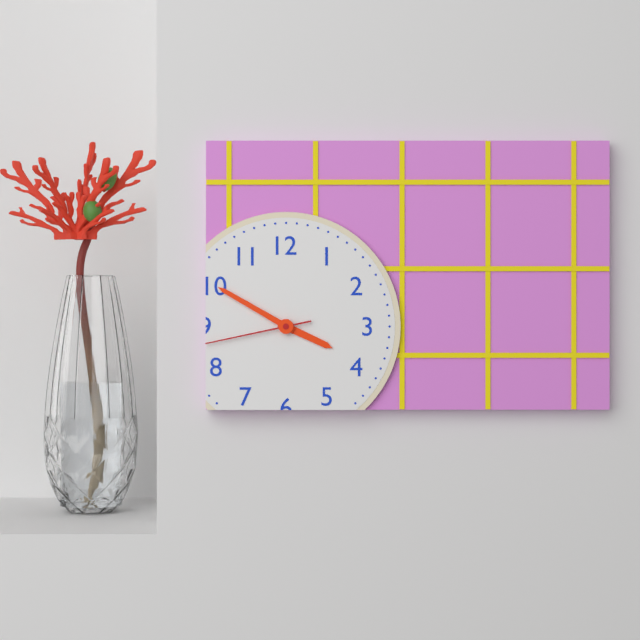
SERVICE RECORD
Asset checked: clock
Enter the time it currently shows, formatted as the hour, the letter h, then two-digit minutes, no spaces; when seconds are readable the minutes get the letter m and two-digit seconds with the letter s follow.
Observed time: 3h50m43s
